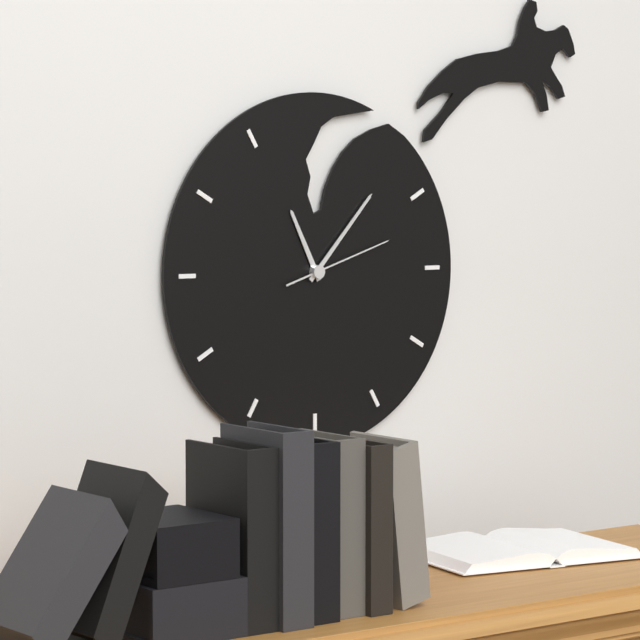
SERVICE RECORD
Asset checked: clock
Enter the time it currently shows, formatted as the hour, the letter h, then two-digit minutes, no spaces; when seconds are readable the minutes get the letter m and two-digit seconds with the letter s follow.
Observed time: 11h07m12s
